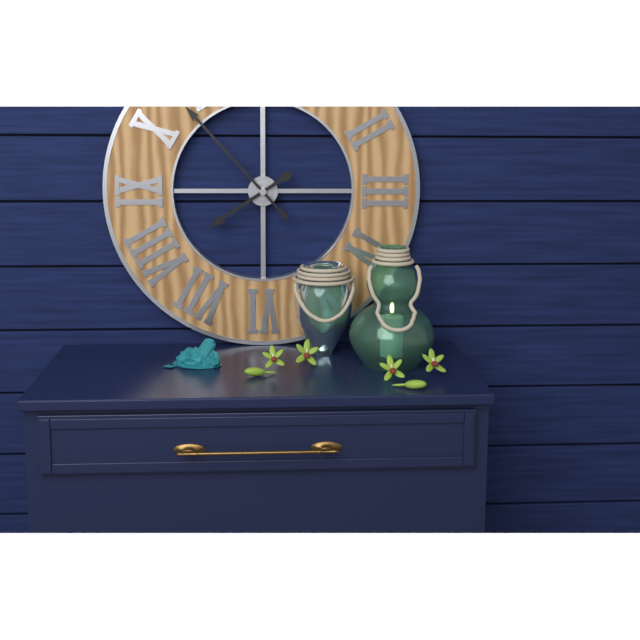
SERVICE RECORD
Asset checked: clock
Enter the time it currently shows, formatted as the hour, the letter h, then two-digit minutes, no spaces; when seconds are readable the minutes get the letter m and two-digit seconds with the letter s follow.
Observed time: 7h53
